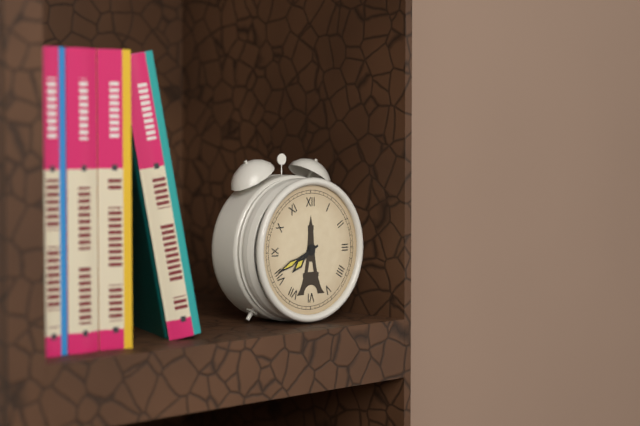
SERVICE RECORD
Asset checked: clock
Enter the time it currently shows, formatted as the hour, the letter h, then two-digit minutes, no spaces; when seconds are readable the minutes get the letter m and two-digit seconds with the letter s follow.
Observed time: 7h41
